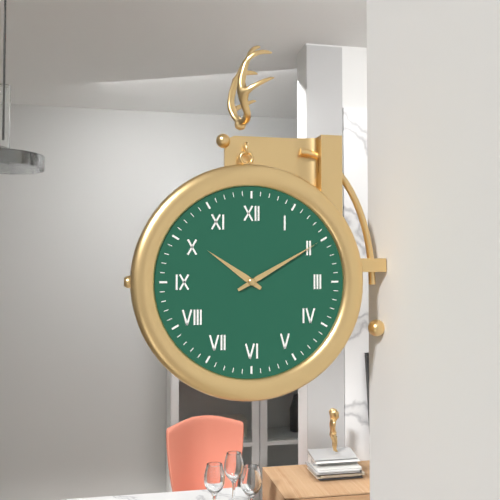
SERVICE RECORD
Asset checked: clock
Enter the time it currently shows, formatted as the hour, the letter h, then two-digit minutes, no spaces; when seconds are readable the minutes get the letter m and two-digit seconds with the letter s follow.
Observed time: 10h10
